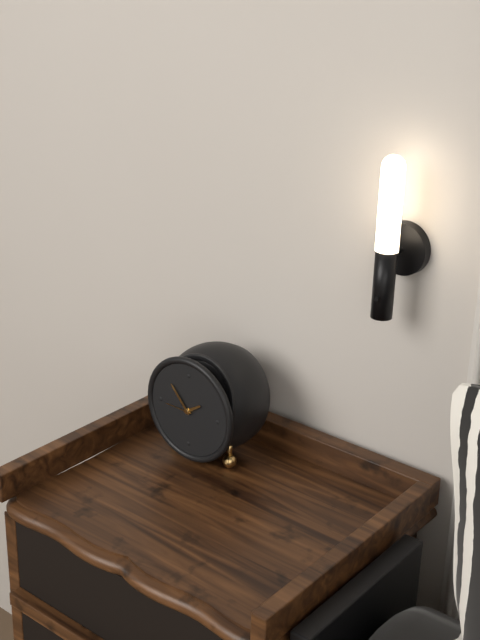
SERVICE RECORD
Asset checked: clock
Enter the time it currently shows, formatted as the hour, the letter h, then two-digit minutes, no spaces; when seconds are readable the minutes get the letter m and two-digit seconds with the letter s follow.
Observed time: 1h53
